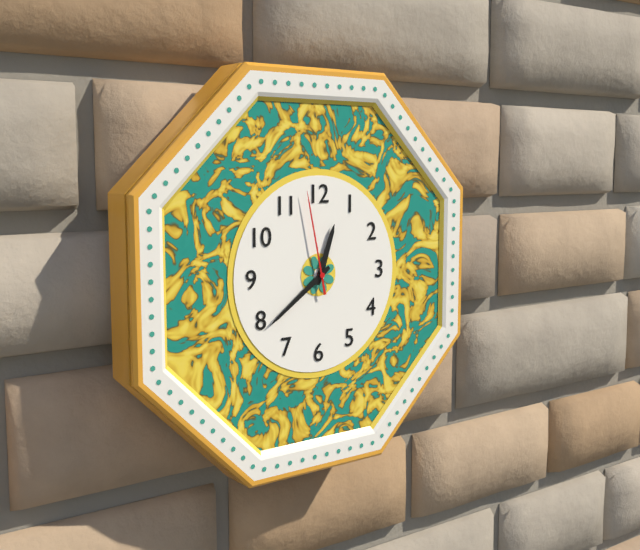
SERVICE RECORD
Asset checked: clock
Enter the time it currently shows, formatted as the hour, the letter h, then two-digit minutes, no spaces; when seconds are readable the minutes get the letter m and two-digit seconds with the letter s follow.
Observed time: 12h39m58s
